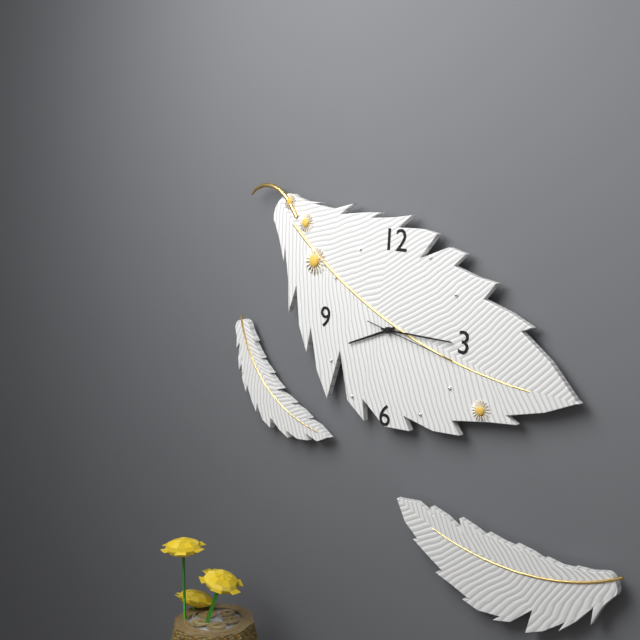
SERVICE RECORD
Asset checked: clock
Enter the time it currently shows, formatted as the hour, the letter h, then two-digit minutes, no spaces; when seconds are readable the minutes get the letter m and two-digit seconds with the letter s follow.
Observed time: 8h15m17s
